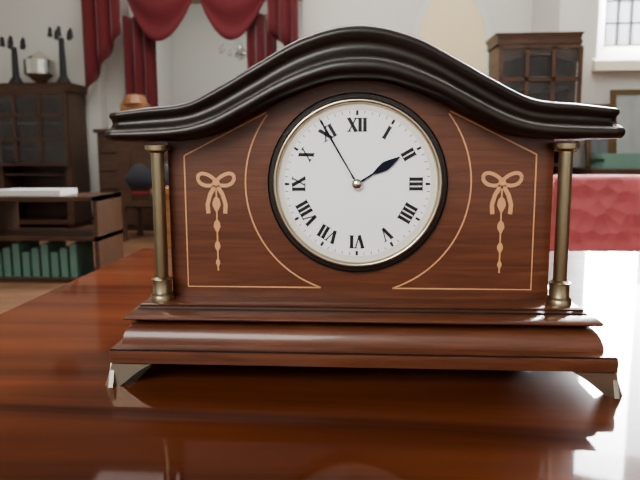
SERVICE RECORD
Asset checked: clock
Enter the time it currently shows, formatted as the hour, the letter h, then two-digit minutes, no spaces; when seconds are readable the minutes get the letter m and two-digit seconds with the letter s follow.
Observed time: 1h55
